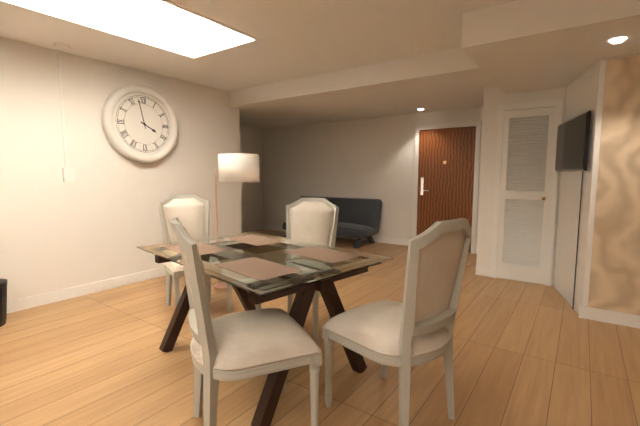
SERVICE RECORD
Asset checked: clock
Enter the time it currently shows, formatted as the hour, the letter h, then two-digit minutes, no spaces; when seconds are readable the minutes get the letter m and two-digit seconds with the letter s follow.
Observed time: 3h58
